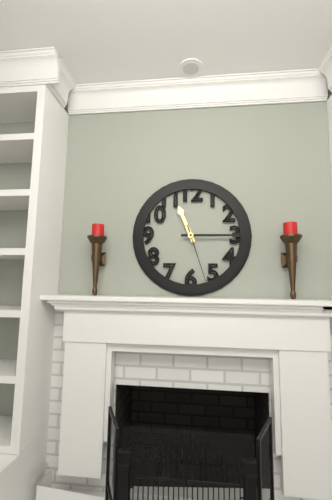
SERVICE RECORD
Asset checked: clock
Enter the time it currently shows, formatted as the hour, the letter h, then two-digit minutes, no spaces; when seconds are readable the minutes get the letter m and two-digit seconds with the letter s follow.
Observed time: 11h15m27s
